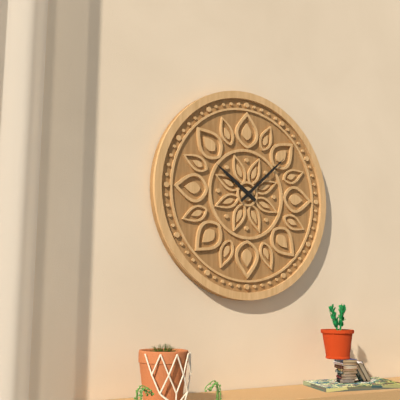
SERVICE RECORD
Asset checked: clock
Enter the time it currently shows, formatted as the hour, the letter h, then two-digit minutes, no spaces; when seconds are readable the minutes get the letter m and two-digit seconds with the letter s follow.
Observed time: 10h08
